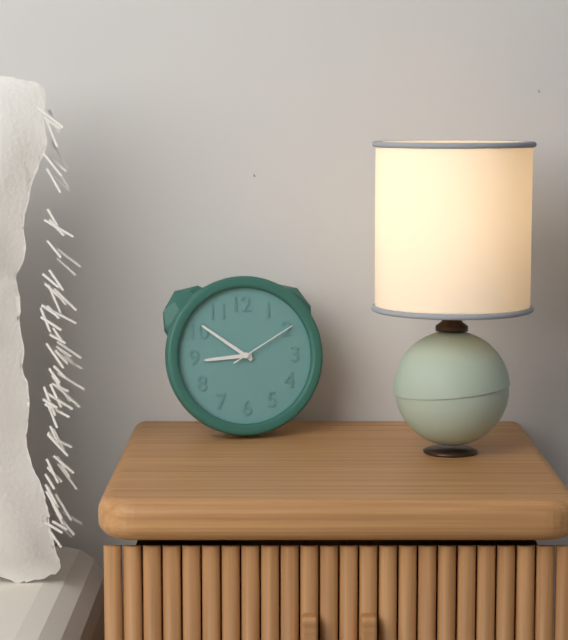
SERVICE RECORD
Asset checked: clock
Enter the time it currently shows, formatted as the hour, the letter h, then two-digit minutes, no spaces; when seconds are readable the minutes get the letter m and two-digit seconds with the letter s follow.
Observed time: 8h51m10s
